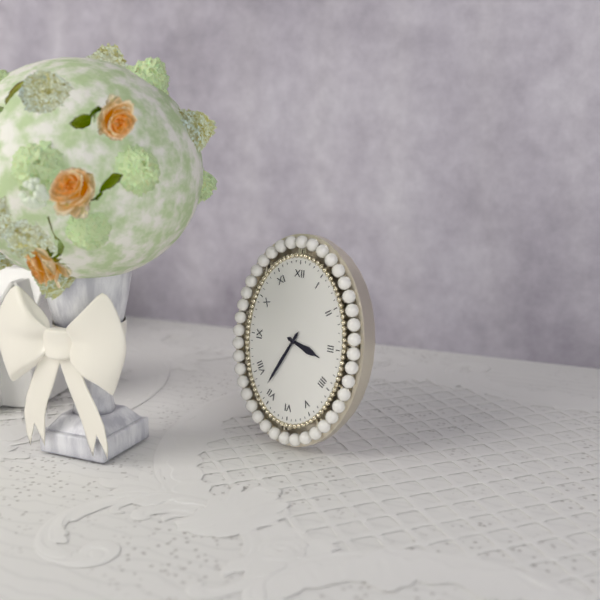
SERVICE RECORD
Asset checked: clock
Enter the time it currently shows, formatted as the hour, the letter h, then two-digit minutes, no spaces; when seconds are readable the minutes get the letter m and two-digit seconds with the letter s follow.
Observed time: 3h35
